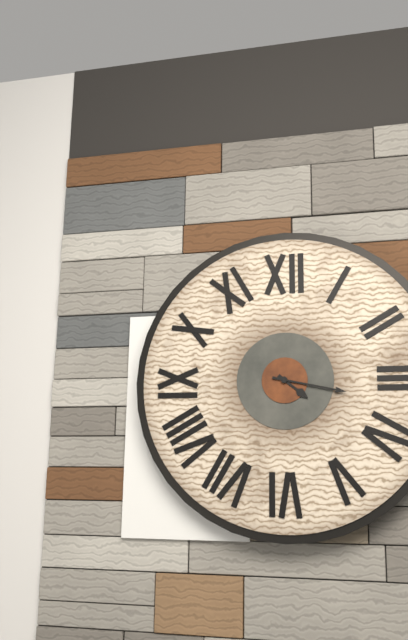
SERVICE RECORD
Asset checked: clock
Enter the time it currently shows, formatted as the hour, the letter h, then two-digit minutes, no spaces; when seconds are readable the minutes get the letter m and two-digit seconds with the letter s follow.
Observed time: 4h17
